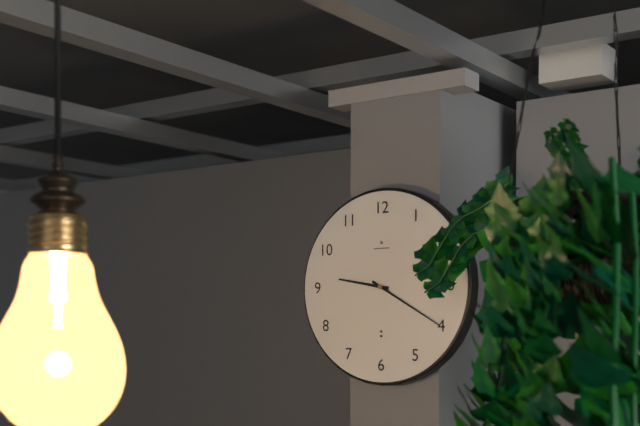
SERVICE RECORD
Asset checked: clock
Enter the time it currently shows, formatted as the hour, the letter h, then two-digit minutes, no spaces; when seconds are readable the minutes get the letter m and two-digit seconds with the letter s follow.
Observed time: 9h20
